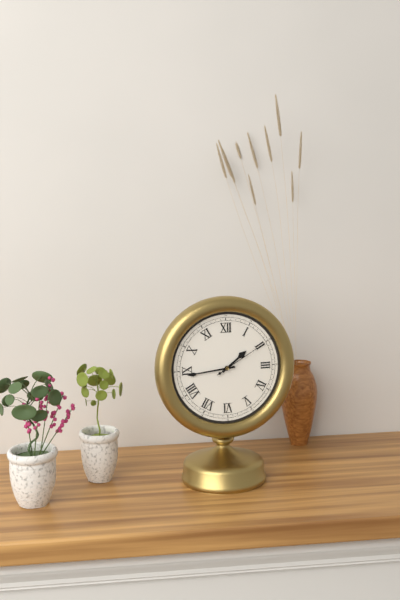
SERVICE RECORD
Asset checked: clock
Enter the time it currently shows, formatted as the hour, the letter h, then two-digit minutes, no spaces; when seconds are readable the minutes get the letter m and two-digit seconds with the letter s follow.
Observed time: 1h44m10s
